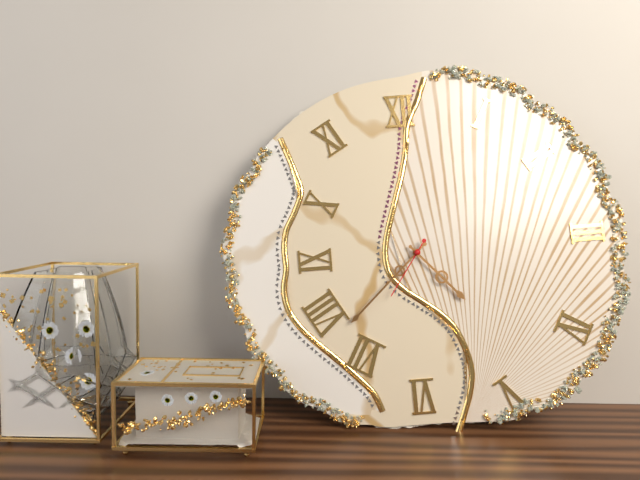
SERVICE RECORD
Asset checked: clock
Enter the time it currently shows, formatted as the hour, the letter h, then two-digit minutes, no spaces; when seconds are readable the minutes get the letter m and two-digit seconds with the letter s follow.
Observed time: 4h38m36s
